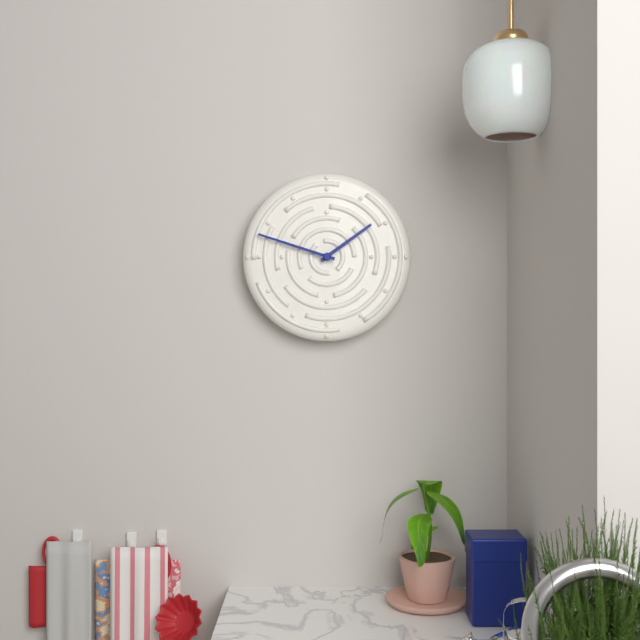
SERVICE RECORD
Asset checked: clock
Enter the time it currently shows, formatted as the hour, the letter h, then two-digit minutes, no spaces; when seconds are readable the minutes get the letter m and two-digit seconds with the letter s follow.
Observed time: 1h48
